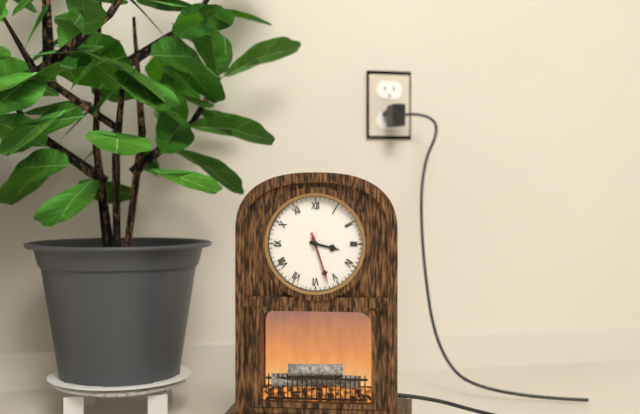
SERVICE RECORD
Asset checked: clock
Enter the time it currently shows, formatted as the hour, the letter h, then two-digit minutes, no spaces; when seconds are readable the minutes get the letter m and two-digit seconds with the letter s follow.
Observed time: 3h27m27s
